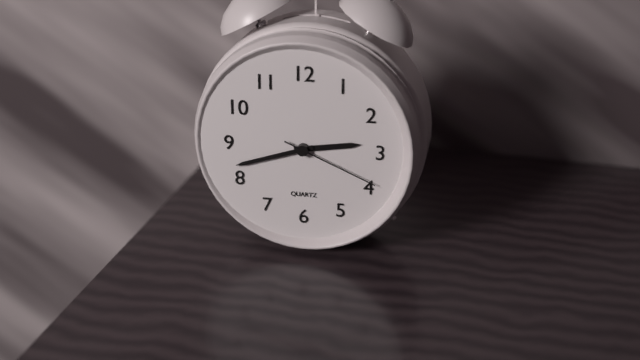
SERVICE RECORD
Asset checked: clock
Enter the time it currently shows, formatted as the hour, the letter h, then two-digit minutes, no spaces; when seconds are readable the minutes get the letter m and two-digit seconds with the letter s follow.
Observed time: 2h42m19s
